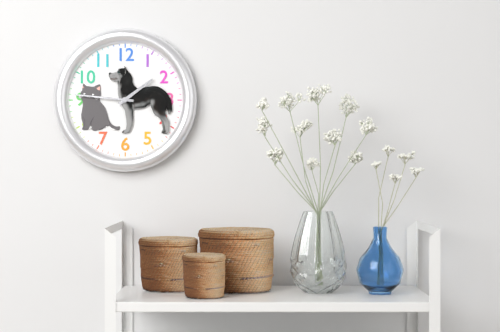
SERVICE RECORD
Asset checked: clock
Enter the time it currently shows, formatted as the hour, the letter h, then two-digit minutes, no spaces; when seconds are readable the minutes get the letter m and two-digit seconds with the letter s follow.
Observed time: 1h46
